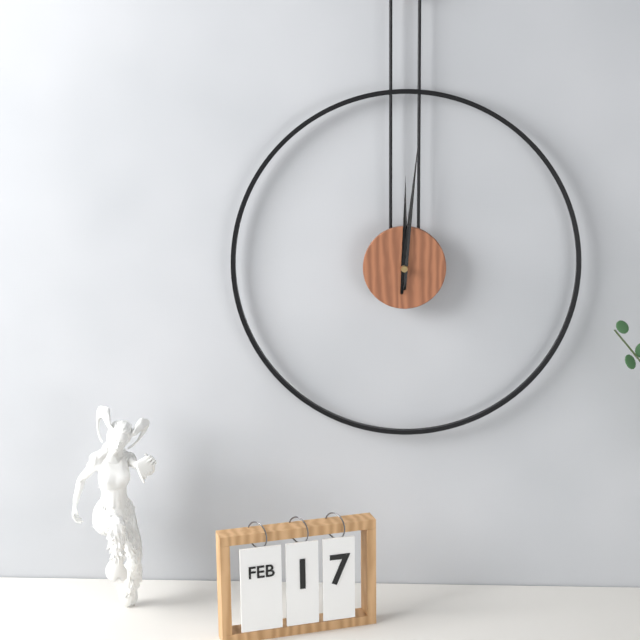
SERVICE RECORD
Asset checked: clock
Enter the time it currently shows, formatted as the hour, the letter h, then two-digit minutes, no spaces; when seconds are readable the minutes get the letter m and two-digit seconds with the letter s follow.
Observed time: 12h01
